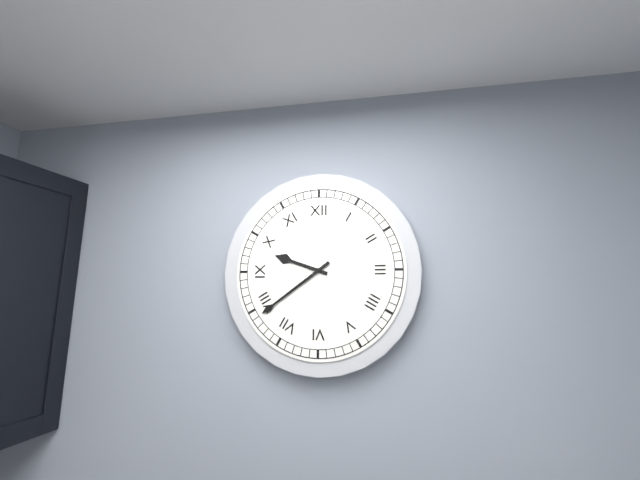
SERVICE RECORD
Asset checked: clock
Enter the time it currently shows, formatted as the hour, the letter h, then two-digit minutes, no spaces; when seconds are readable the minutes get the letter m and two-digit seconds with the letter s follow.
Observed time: 9h39
